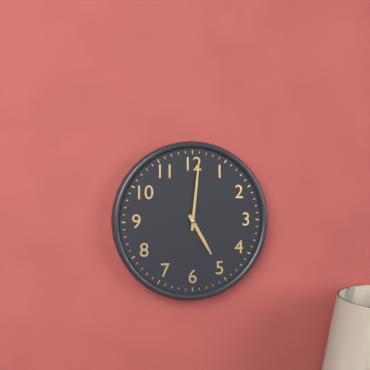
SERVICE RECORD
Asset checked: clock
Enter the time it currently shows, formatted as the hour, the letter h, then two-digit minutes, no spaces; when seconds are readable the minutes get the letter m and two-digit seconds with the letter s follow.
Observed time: 5h01
